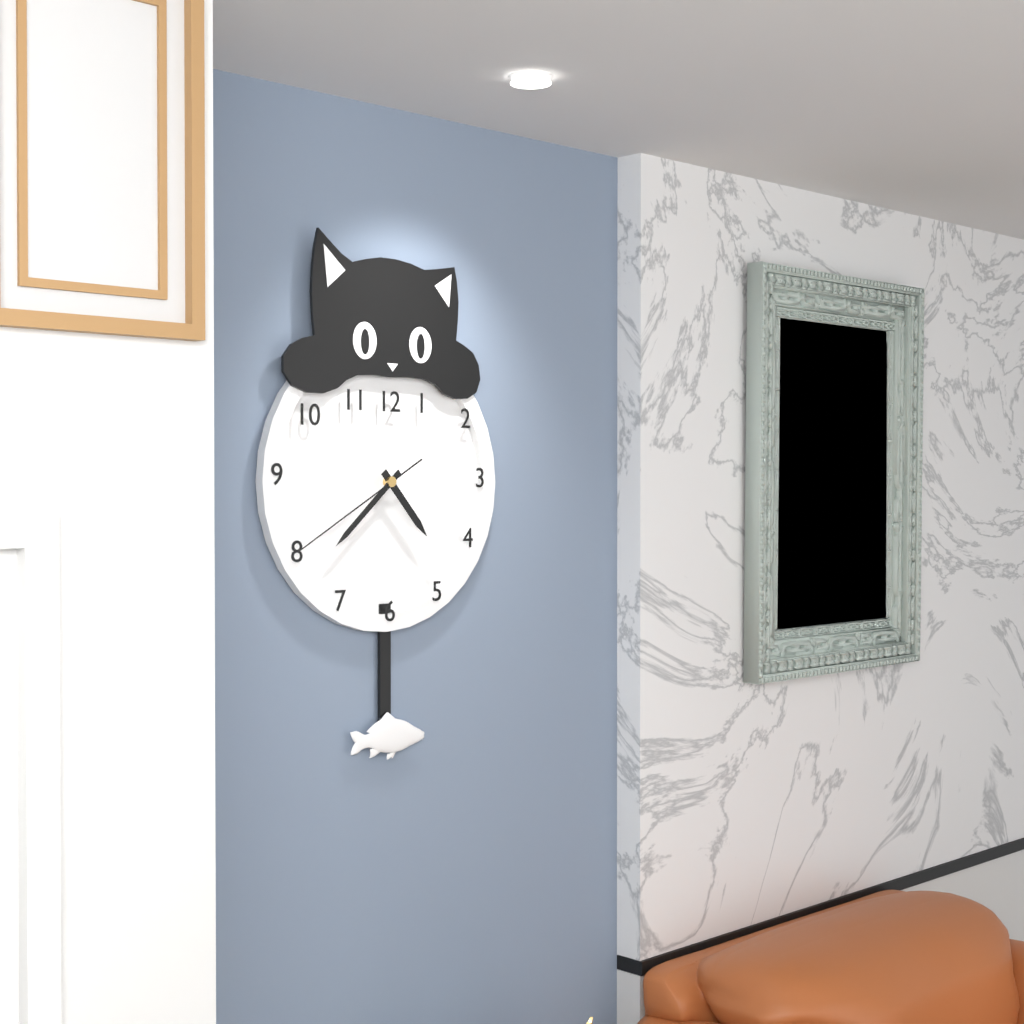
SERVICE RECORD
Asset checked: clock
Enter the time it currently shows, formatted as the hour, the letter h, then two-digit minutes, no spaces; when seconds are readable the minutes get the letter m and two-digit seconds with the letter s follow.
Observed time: 4h38m40s
